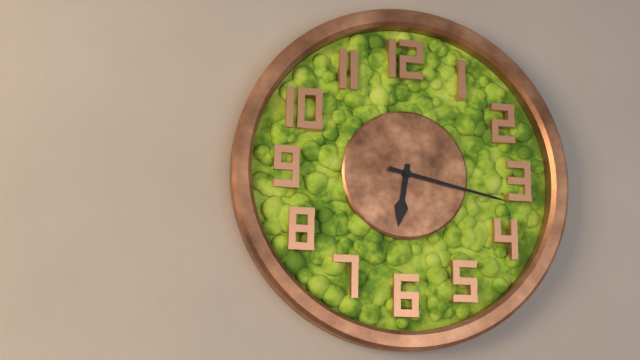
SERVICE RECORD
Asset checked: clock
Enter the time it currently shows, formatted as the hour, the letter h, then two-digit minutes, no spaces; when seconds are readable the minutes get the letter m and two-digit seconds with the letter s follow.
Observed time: 6h17
